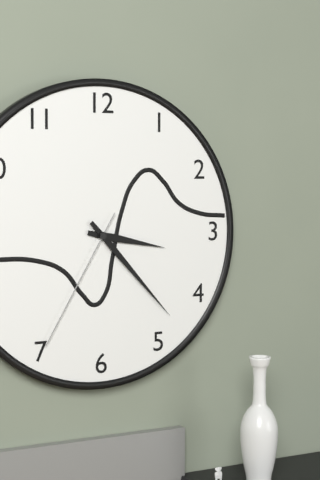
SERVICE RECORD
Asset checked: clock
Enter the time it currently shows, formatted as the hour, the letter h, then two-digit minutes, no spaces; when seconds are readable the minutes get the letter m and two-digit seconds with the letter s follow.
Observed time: 3h23m35s
